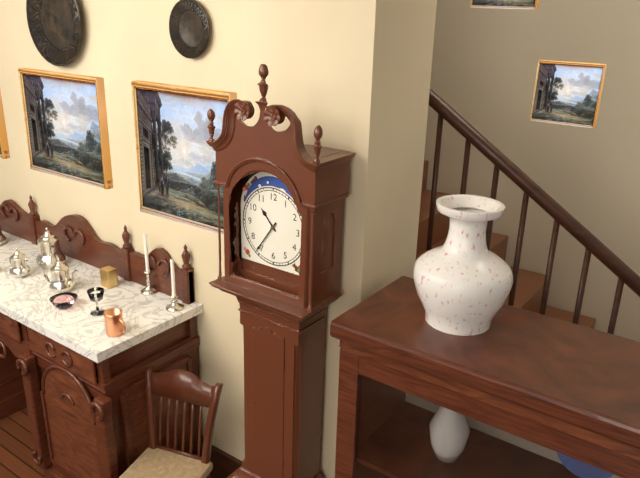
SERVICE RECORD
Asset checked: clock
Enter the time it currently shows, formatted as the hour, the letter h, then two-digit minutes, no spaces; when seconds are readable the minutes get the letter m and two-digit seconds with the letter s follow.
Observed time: 10h36
